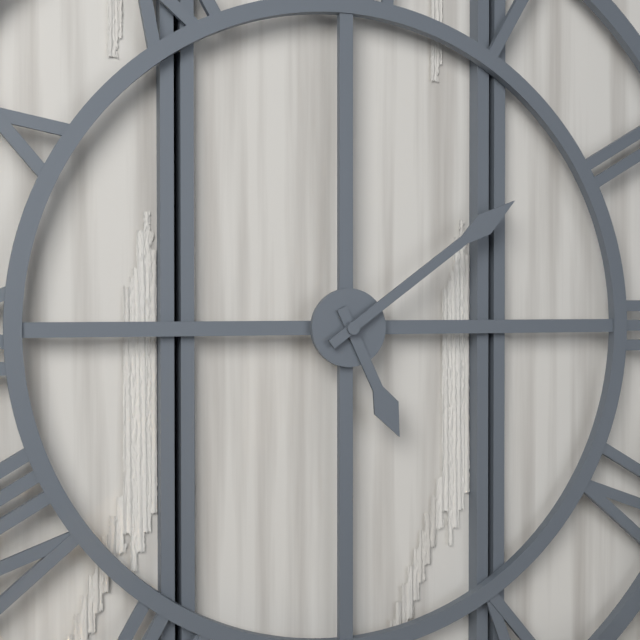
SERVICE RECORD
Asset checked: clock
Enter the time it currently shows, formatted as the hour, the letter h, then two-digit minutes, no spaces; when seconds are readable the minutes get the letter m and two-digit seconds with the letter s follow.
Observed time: 5h09
